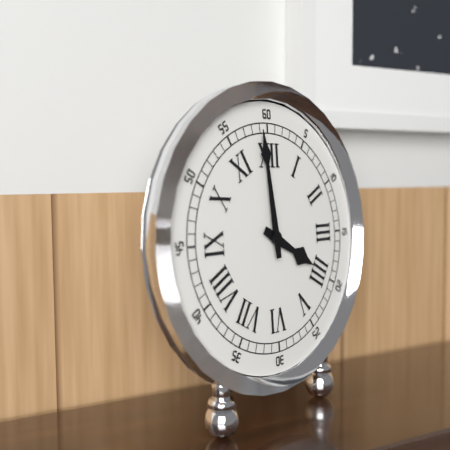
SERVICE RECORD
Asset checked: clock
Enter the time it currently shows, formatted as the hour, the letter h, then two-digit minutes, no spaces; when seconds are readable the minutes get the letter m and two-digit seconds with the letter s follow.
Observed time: 3h59
